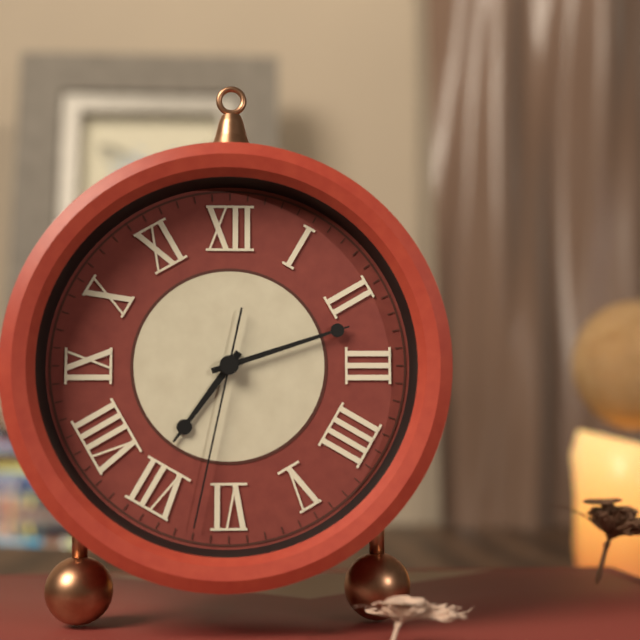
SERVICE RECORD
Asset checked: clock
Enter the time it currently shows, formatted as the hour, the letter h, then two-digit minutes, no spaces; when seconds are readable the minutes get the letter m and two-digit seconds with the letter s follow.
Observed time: 7h12m32s
